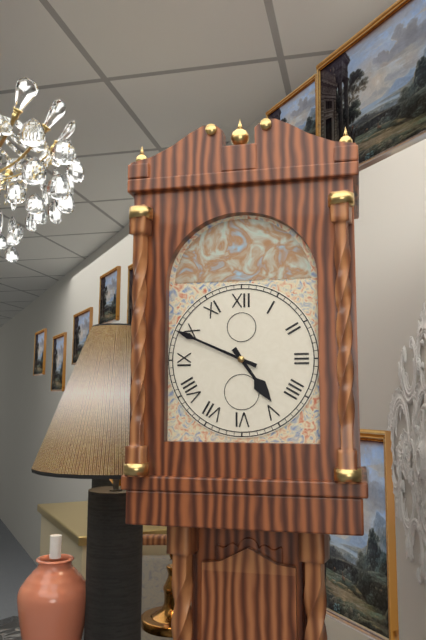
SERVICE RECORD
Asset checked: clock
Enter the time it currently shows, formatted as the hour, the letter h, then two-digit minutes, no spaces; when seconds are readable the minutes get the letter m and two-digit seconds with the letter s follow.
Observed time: 4h49
